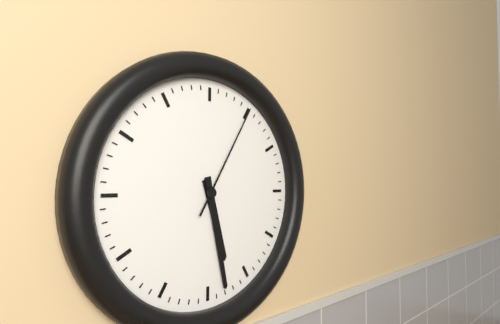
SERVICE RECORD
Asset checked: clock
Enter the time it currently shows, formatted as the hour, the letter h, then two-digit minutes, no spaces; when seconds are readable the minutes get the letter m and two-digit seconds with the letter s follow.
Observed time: 5h28m05s
